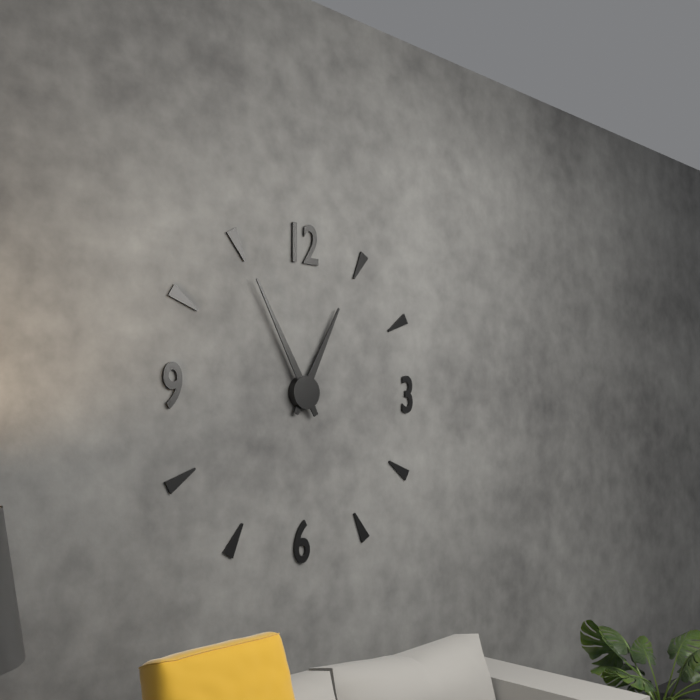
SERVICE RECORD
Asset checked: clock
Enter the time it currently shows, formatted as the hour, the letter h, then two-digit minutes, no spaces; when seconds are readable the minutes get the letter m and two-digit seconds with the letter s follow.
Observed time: 12h55
